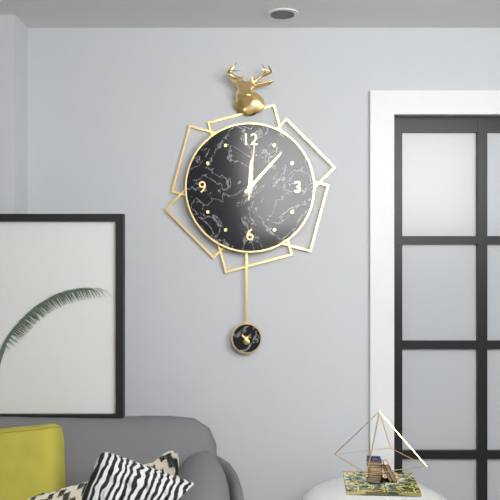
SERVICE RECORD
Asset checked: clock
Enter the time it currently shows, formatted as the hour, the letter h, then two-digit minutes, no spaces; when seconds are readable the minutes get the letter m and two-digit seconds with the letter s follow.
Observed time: 12h07m01s
